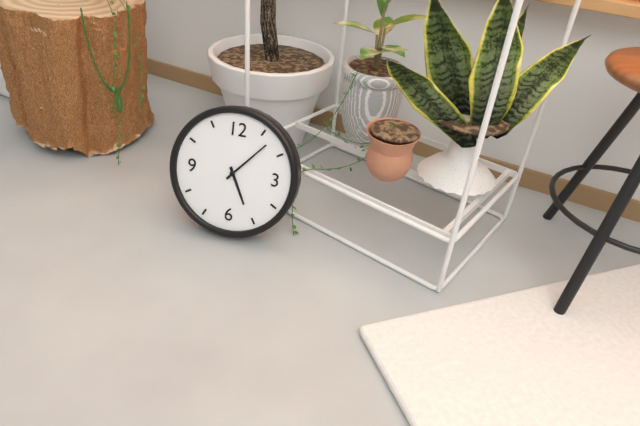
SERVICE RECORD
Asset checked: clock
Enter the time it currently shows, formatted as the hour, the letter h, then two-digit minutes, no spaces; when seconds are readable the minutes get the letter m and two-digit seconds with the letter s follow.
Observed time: 5h07
